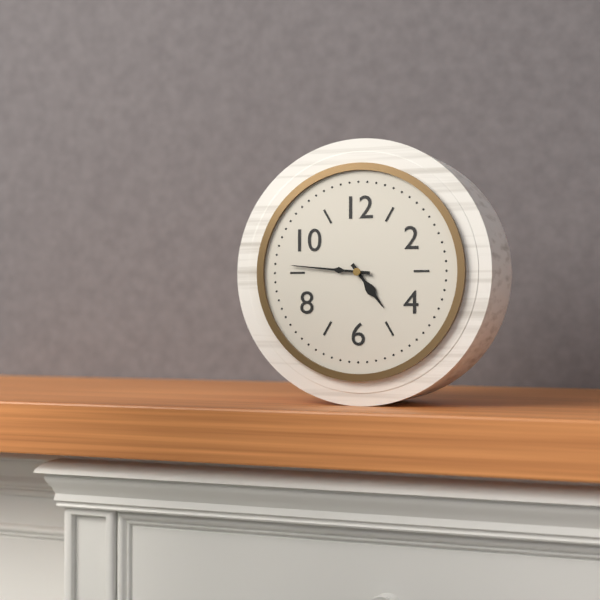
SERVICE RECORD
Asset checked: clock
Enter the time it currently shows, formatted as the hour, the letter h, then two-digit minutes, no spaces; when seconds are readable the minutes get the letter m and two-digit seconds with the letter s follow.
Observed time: 4h46
